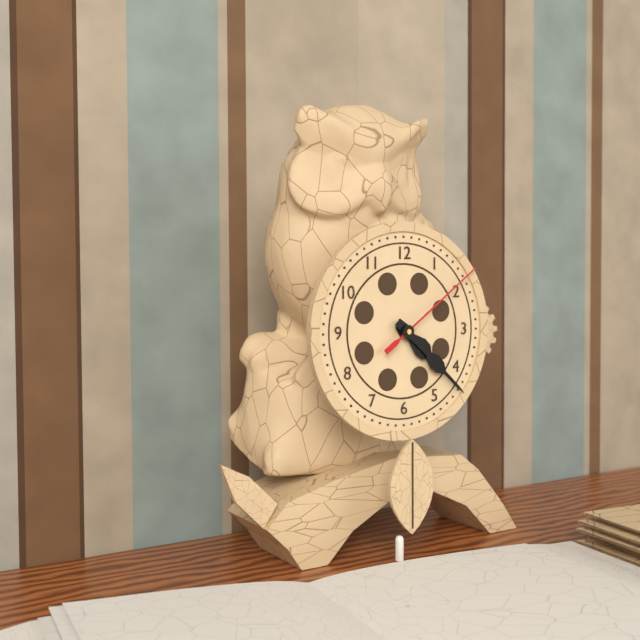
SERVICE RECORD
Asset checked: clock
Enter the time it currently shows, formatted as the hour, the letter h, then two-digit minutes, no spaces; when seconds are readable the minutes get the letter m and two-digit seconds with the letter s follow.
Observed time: 4h22m09s
